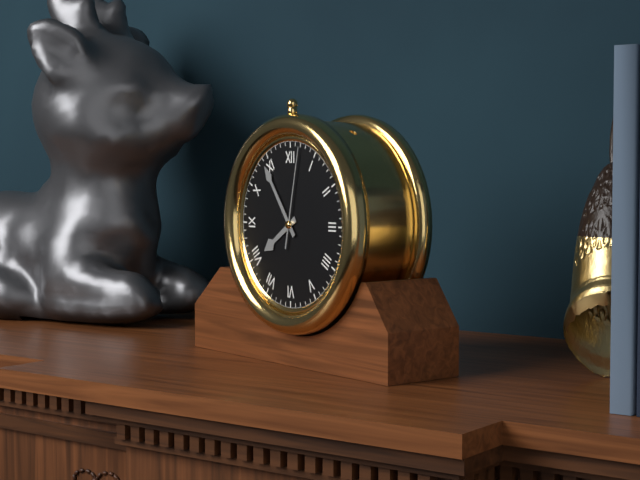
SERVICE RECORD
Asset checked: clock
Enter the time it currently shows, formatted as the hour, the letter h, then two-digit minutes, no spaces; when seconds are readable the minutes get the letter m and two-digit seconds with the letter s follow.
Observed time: 7h54m02s
